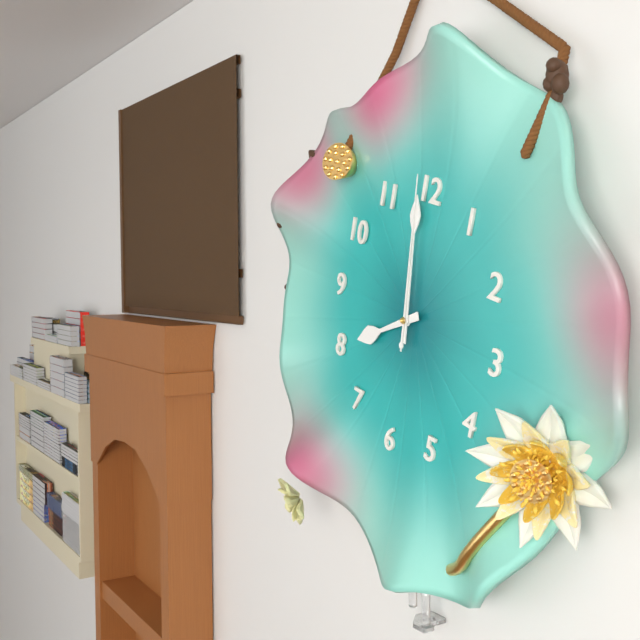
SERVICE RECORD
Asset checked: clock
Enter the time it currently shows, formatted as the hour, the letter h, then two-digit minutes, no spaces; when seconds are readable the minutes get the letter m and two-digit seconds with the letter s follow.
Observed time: 7h59m59s
